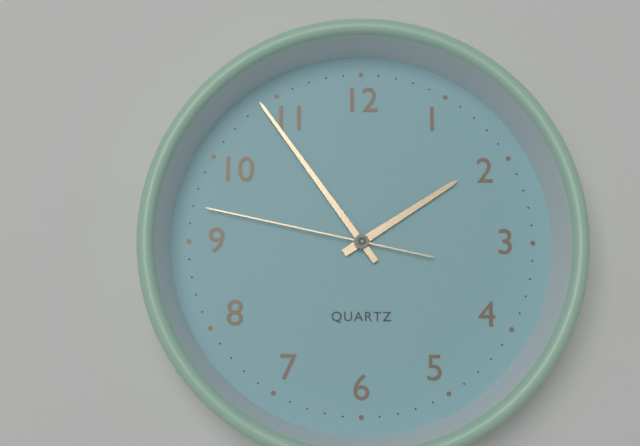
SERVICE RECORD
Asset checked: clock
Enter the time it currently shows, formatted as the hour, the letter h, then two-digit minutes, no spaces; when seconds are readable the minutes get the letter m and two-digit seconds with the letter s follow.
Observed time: 1h54m47s
